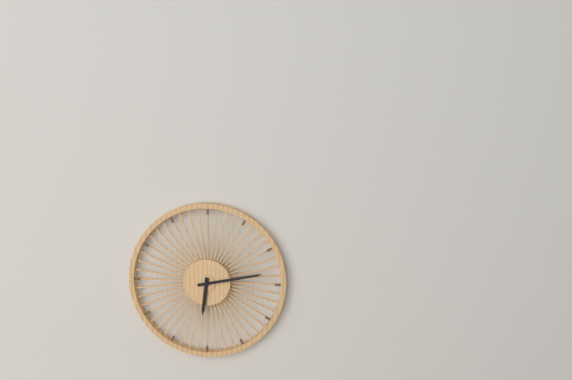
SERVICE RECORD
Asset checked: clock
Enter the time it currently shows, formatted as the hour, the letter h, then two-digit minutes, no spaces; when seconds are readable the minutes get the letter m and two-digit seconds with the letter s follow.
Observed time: 6h13
